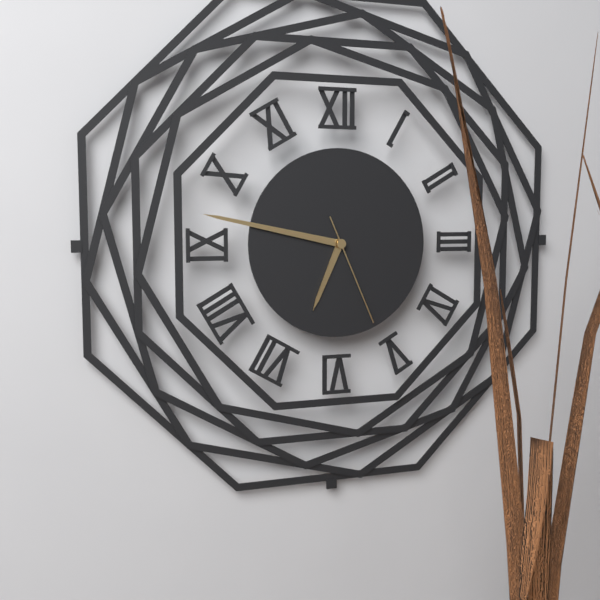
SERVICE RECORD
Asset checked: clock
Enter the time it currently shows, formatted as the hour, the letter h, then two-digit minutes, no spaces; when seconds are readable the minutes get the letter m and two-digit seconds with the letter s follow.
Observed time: 6h47m26s
